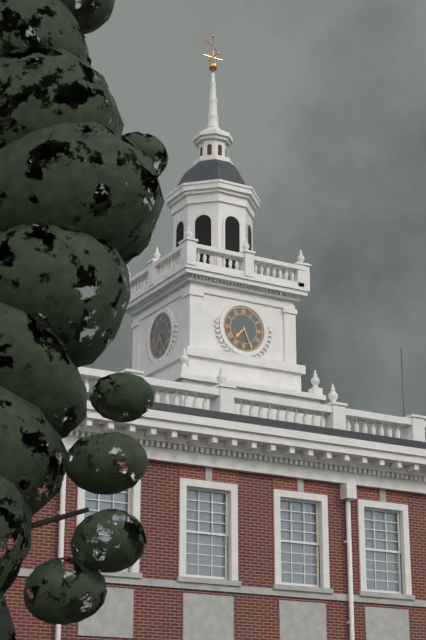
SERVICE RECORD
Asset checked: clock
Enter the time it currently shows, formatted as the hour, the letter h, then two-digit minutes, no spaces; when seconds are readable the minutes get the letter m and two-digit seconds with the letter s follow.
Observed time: 7h26
